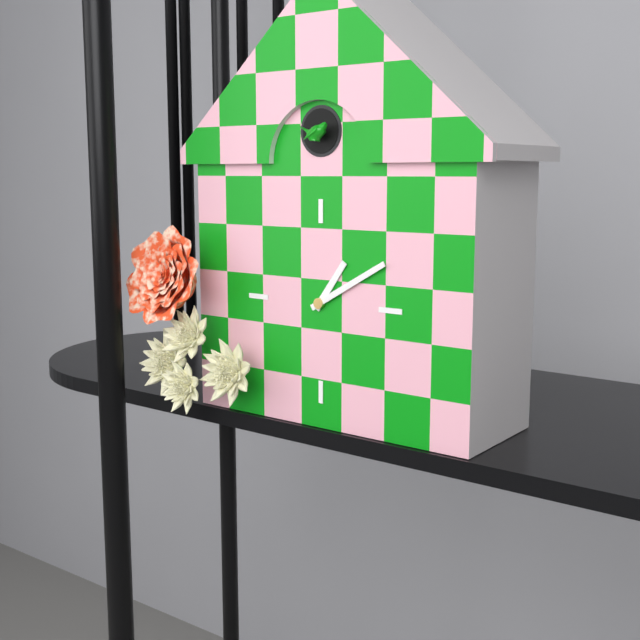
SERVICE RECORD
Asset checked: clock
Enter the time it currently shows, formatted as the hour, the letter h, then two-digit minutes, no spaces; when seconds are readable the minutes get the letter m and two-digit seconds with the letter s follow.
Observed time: 1h10
